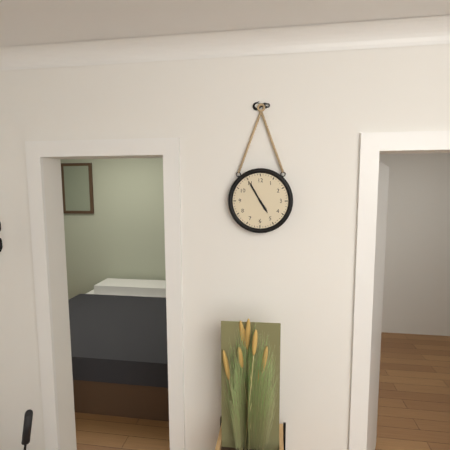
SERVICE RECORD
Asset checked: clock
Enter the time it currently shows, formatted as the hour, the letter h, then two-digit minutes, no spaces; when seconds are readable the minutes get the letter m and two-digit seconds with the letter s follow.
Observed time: 4h55
